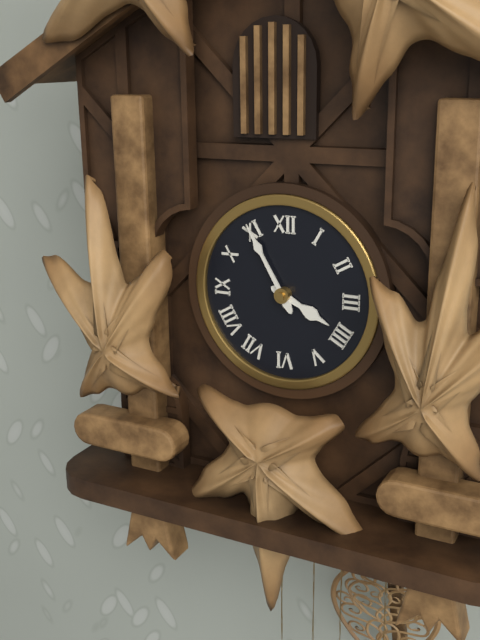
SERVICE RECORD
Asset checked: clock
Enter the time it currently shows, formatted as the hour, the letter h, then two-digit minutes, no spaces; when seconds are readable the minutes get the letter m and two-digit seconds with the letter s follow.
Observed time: 3h55
